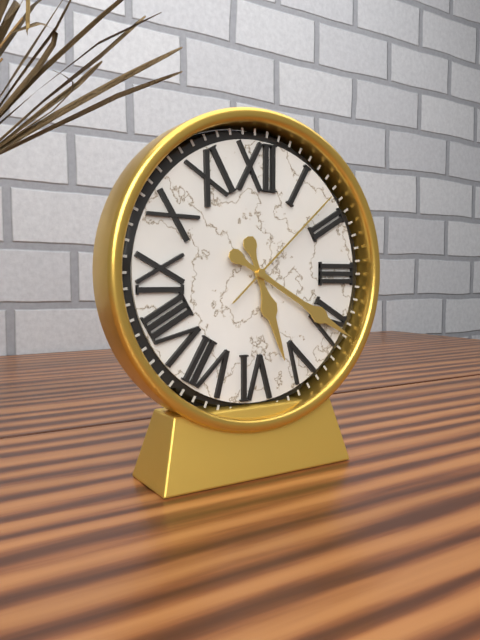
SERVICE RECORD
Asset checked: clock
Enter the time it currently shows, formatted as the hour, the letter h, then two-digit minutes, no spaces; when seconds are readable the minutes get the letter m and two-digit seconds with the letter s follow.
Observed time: 5h20m08s
